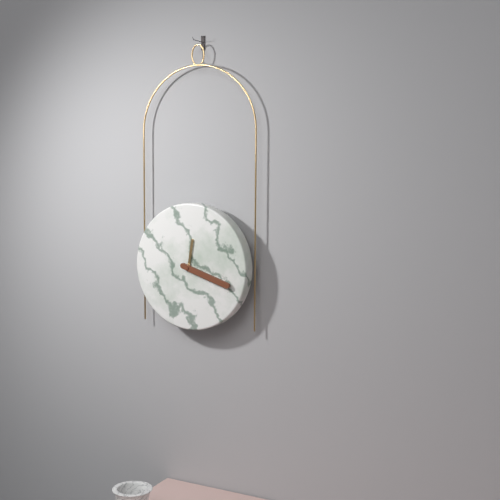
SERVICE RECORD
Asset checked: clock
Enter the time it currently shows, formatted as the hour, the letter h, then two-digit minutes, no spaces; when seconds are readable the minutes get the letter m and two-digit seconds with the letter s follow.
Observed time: 12h18
